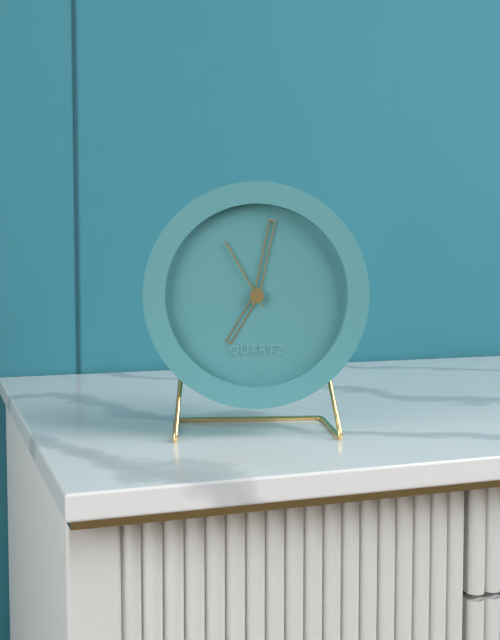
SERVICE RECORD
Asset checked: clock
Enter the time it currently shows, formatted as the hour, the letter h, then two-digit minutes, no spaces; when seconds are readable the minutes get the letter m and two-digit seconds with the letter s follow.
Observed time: 7h02m55s
